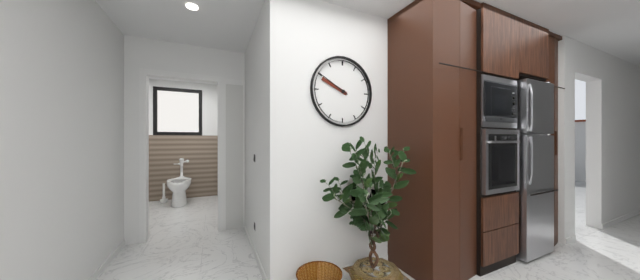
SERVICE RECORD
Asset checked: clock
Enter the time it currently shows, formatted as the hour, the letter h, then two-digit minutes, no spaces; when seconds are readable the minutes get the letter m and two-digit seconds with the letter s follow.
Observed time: 9h50
